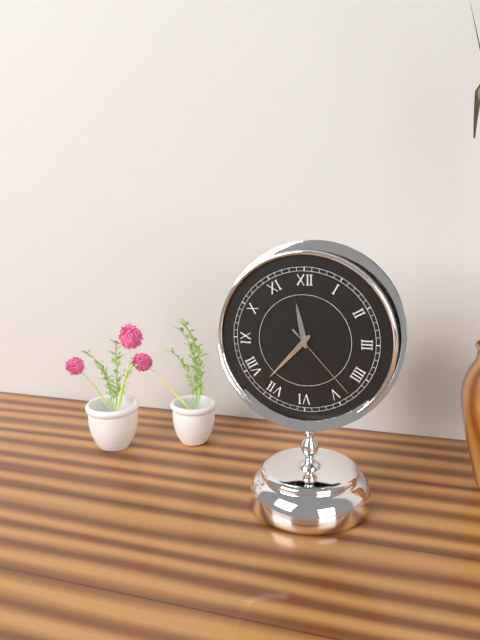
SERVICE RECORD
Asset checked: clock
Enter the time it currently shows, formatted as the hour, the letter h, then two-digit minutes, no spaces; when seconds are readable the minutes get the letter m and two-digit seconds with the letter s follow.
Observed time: 11h37m23s
